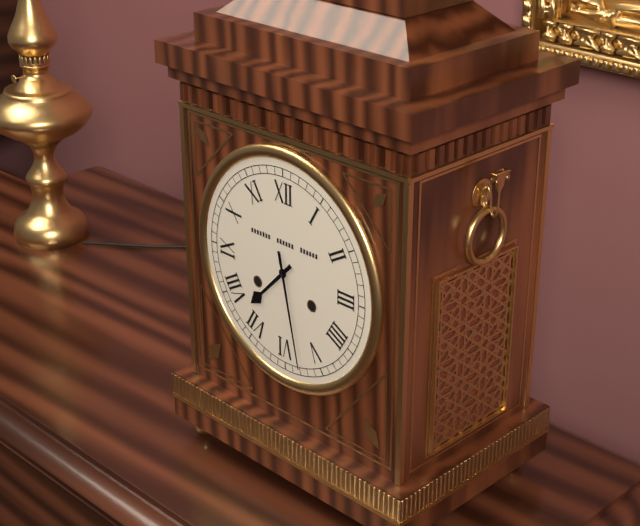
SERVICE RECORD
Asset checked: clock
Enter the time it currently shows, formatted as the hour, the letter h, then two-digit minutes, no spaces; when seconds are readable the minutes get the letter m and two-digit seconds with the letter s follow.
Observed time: 7h28
